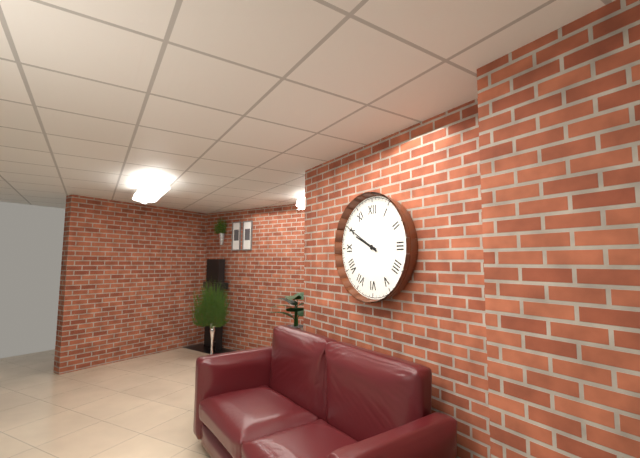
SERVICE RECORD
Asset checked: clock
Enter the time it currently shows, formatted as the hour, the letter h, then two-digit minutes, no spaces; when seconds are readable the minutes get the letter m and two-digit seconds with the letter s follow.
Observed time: 9h50
